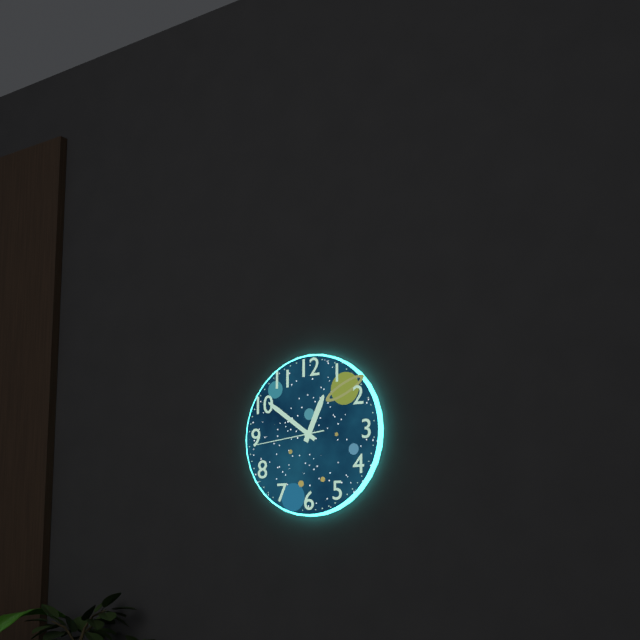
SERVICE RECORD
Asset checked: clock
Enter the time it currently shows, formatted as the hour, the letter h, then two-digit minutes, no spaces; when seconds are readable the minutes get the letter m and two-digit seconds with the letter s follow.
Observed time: 12h51m44s
